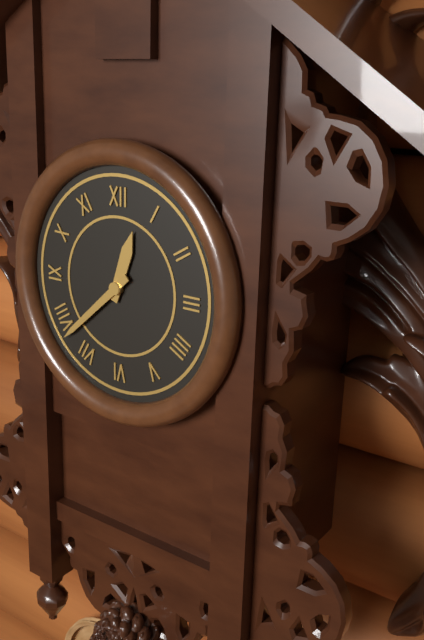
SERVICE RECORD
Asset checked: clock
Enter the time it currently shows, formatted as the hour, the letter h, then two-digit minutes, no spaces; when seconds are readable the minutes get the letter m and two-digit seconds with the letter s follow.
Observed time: 12h38
